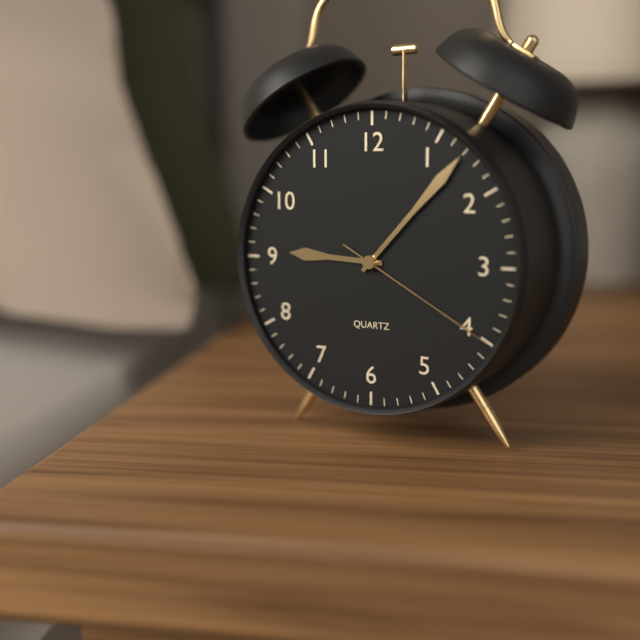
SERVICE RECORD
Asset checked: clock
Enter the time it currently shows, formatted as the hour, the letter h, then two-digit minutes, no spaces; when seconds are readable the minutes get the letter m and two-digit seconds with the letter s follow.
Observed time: 9h07m20s
